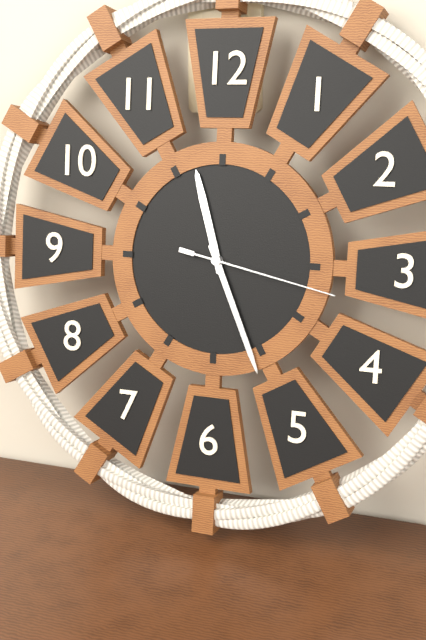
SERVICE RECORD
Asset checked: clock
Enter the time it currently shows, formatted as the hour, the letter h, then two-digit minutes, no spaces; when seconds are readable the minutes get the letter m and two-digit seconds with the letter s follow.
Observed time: 11h26m17s
